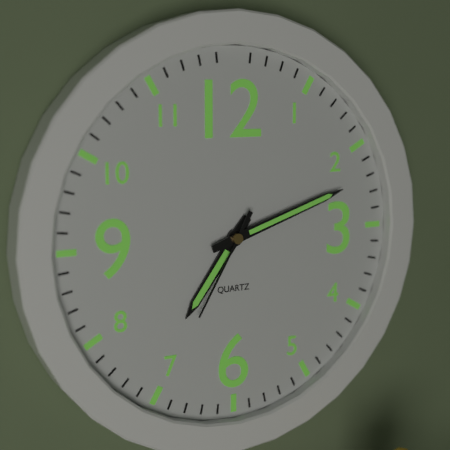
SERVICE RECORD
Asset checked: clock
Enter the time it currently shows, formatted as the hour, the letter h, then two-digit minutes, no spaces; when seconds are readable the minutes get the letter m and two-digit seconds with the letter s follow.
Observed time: 7h12m35s
